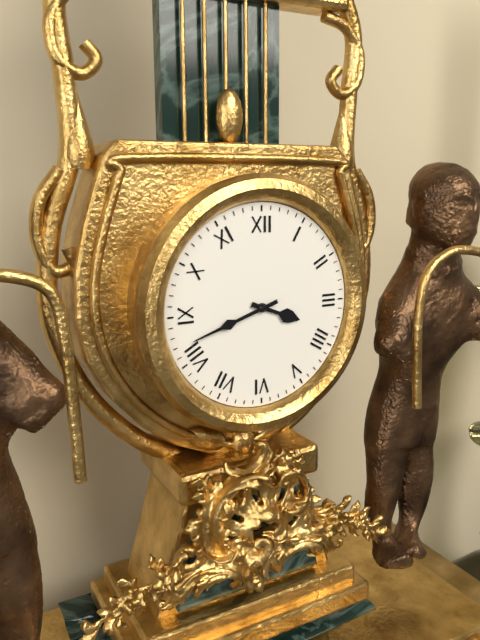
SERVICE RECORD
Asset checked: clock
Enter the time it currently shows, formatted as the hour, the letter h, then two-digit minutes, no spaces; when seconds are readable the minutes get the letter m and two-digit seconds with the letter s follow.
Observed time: 3h42
